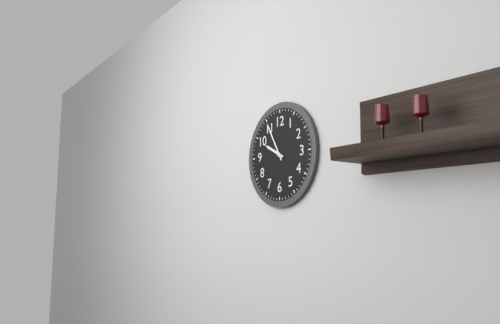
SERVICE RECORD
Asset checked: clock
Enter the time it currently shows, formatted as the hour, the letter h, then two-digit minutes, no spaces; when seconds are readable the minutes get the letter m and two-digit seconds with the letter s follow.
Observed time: 9h55
